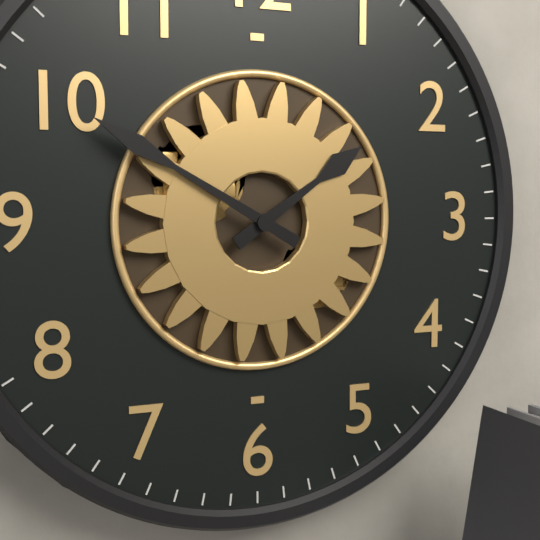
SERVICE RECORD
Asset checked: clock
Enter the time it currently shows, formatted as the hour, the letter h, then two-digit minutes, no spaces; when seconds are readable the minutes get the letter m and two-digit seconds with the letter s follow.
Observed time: 1h50
